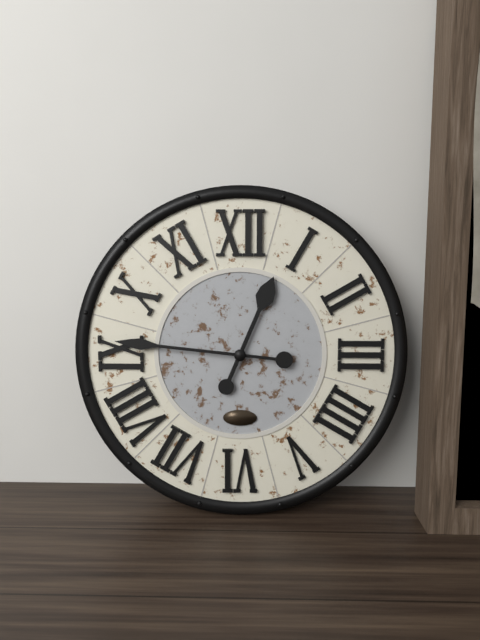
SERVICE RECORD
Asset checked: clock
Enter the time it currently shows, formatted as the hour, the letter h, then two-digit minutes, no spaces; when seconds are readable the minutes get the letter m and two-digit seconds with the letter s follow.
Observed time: 12h46
